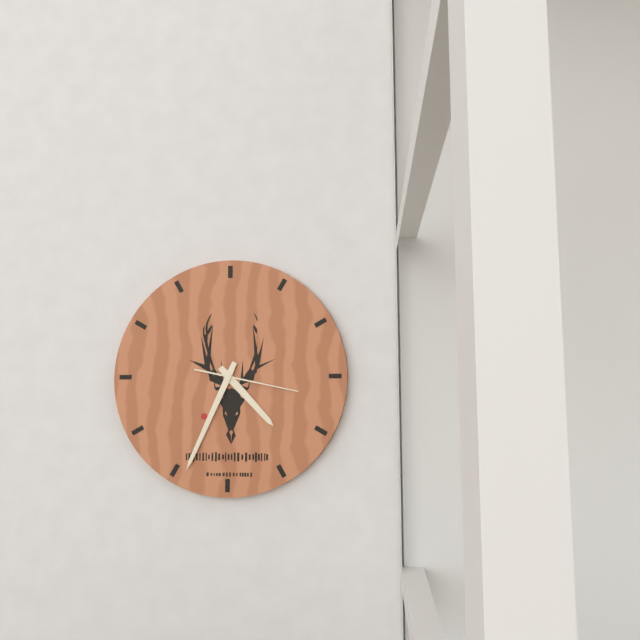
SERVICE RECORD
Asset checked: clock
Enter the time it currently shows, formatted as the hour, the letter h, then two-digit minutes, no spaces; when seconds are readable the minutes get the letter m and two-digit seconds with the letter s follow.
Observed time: 4h34m17s
